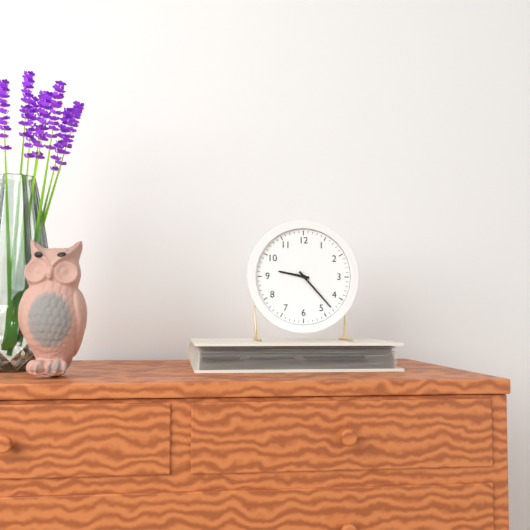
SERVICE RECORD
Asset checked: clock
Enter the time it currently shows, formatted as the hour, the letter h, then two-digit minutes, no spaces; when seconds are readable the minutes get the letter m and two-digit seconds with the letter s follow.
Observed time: 9h23
